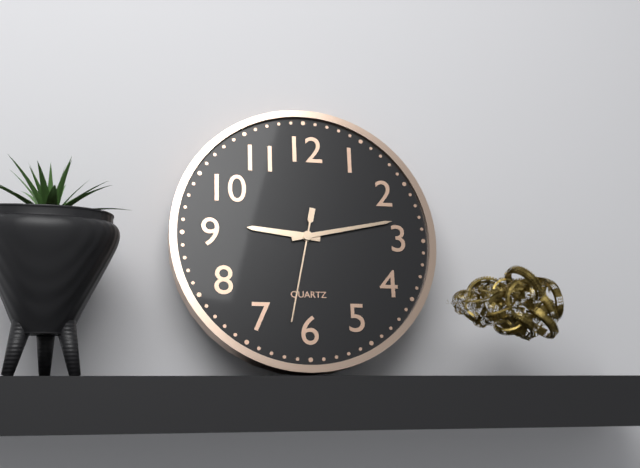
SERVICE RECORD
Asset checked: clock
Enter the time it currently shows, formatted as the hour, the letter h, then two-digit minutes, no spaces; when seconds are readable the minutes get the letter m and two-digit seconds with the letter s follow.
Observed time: 9h13m32s
